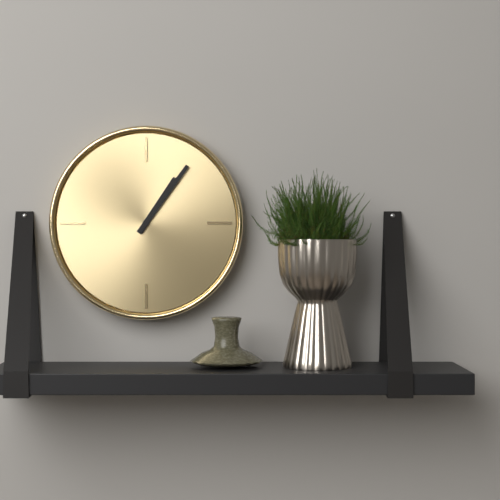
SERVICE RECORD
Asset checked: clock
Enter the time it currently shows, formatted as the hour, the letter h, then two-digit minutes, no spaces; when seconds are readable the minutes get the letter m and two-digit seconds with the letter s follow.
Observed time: 1h06
